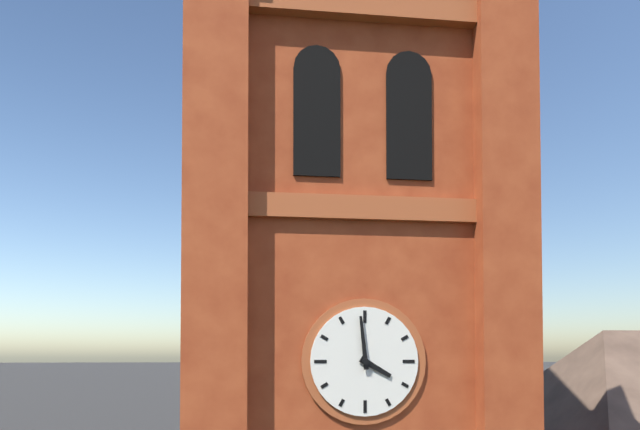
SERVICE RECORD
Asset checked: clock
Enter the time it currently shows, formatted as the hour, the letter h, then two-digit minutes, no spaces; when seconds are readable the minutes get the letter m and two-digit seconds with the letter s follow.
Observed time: 3h59
